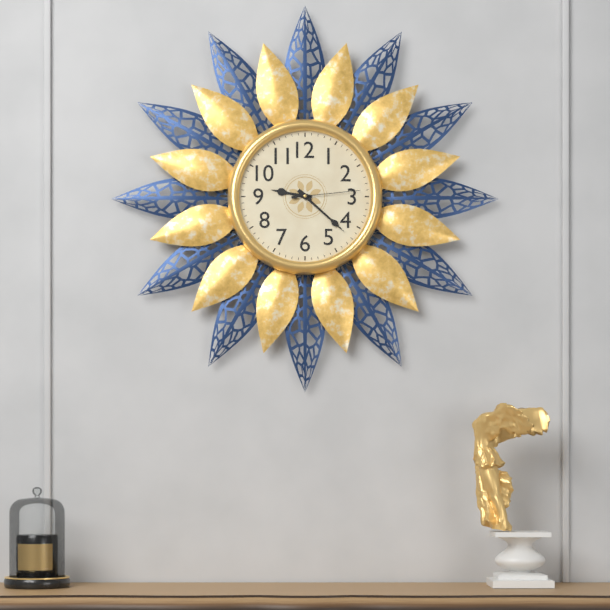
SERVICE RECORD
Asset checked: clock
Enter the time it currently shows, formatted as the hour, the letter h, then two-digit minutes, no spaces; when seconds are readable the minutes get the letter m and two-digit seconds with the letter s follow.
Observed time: 9h22m14s
